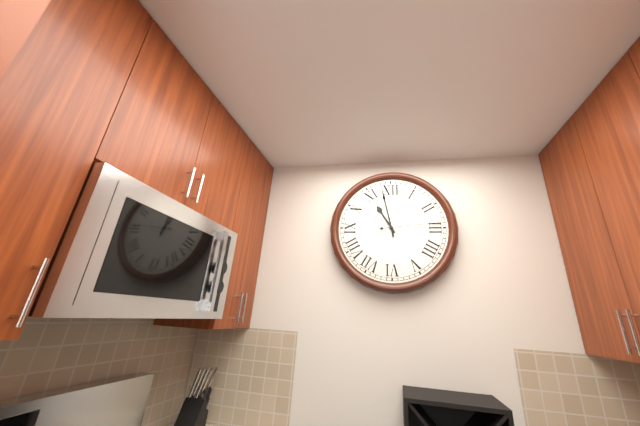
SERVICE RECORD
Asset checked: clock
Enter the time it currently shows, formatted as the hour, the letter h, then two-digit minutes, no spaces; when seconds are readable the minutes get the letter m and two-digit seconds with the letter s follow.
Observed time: 10h58m14s
